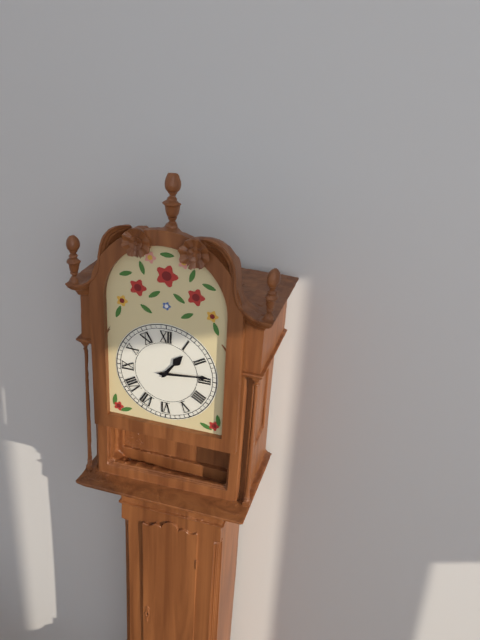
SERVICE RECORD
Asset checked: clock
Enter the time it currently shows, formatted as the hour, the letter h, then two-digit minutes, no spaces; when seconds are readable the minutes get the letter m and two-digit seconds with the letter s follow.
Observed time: 1h14
